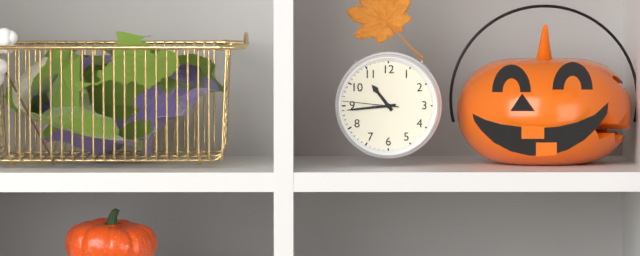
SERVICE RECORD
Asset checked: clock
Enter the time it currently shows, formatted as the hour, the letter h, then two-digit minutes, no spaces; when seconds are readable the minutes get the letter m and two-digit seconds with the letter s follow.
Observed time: 10h44m46s
